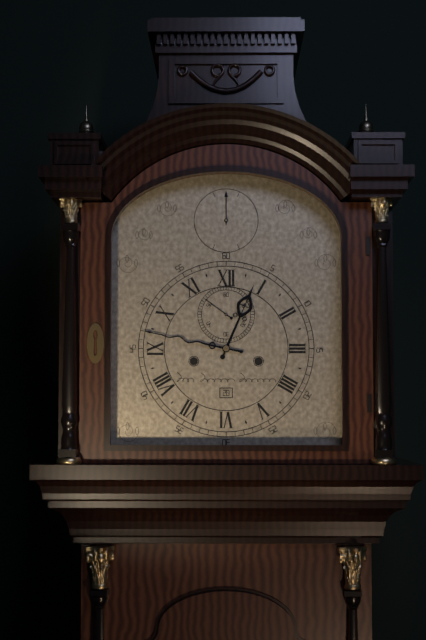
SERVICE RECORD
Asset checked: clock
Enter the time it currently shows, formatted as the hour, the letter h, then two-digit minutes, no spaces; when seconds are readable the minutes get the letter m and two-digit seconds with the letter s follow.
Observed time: 12h47
